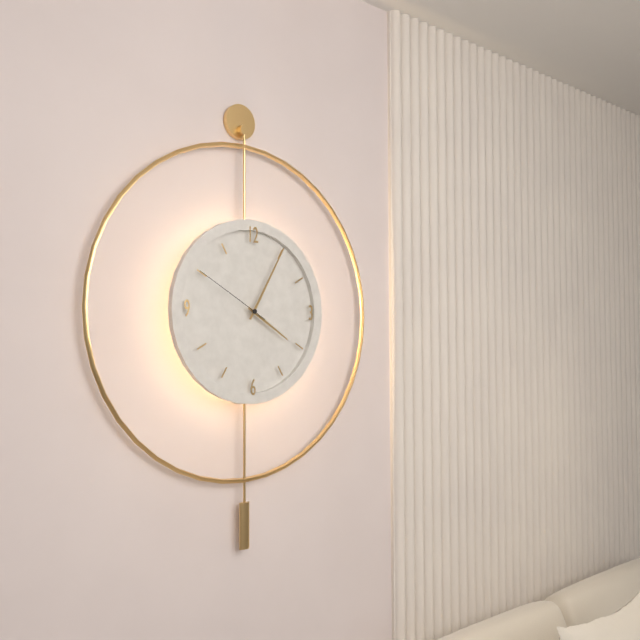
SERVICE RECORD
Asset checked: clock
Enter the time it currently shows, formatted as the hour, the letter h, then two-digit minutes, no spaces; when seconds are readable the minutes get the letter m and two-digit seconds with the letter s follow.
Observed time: 4h05m50s
